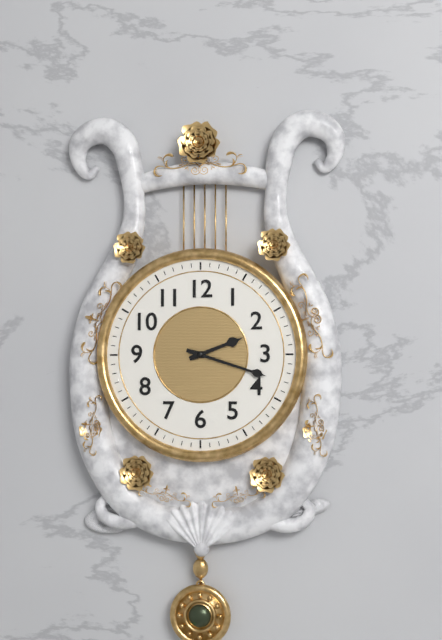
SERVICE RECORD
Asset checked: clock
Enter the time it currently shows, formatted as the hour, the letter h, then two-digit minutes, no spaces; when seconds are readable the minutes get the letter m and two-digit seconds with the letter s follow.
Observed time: 2h18
